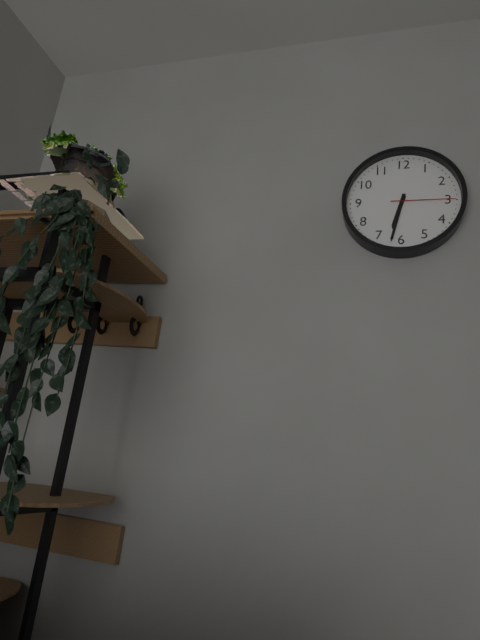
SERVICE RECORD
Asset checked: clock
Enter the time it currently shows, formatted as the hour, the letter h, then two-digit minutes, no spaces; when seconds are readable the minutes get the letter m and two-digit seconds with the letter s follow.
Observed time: 6h32m15s
